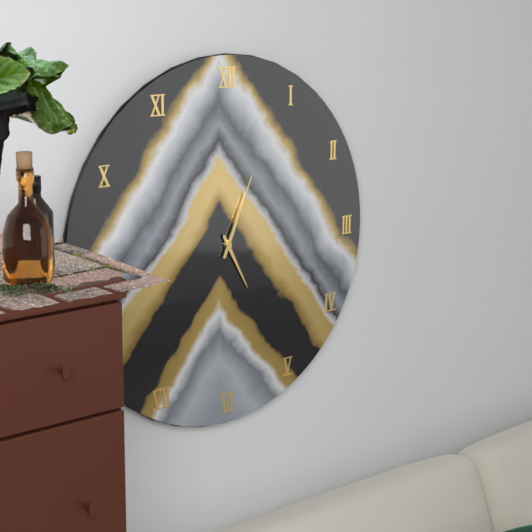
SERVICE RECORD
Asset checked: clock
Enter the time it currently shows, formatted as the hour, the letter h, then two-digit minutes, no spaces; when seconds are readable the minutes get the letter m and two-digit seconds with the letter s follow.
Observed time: 5h04
